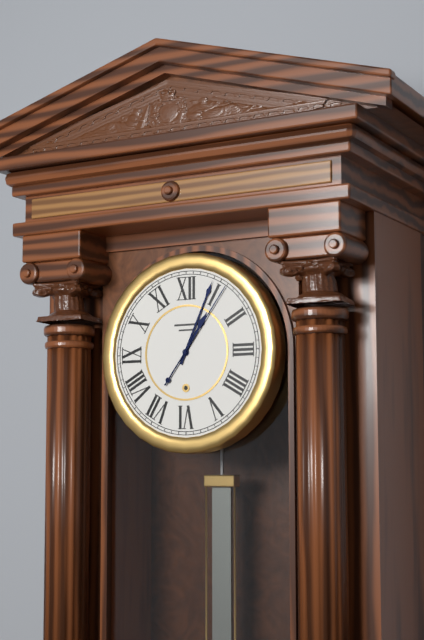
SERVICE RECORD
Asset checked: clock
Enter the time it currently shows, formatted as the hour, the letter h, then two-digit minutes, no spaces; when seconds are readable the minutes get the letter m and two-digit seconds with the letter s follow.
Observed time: 1h04m06s
